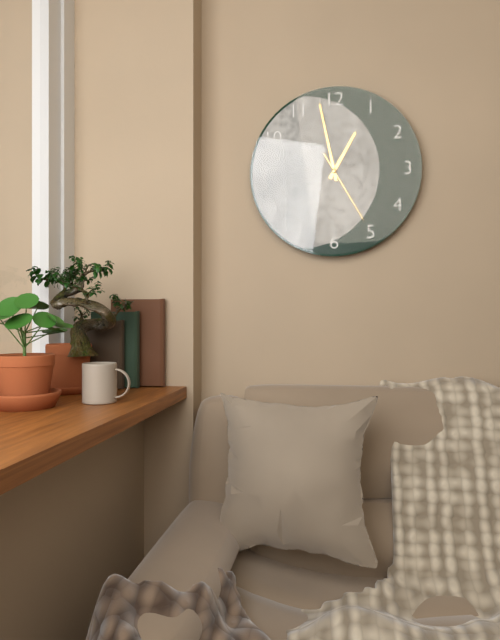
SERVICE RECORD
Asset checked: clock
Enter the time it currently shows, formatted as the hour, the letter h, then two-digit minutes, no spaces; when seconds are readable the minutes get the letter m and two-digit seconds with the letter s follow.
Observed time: 12h58m25s
